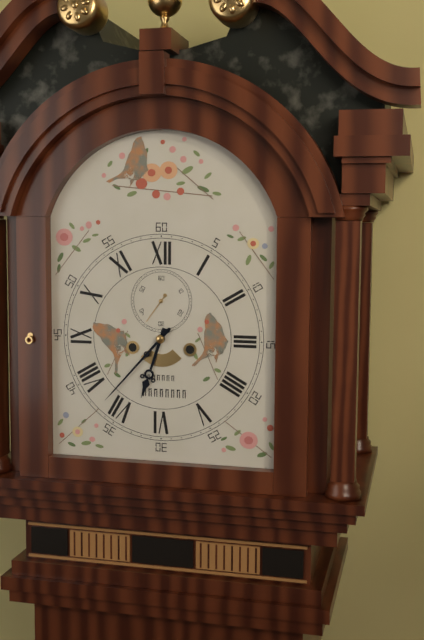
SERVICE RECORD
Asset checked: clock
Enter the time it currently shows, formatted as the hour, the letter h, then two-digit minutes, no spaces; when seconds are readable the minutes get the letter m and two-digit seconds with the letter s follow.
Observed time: 6h37
